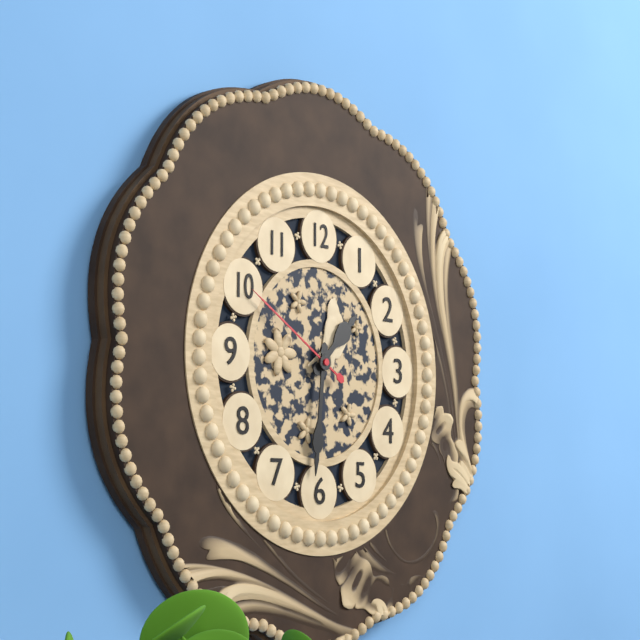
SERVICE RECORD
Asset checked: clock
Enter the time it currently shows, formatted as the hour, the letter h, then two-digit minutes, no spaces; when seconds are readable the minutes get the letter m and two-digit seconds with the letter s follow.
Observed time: 1h31m50s
